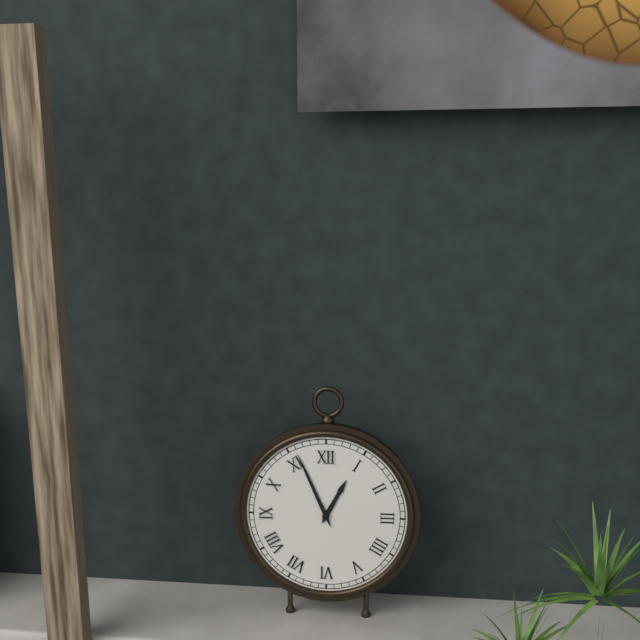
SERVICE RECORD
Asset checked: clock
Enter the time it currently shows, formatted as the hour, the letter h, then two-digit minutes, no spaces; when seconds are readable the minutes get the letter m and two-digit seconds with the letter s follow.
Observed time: 12h56
